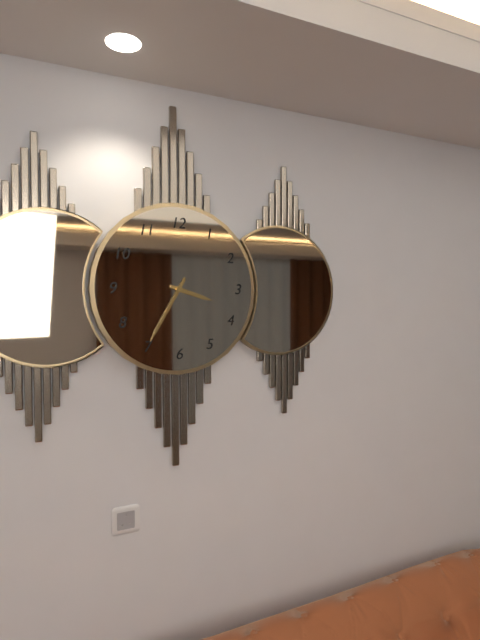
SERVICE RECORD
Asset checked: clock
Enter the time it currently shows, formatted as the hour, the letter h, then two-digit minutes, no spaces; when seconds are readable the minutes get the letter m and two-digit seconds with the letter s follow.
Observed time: 3h35
